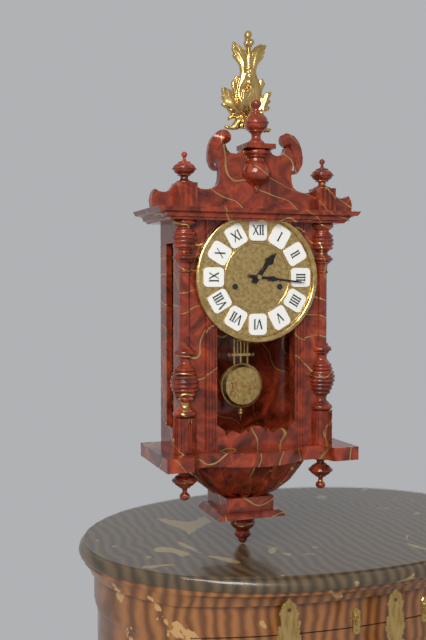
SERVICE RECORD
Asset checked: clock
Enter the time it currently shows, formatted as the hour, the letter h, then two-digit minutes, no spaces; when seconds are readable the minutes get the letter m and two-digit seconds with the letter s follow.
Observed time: 1h16
